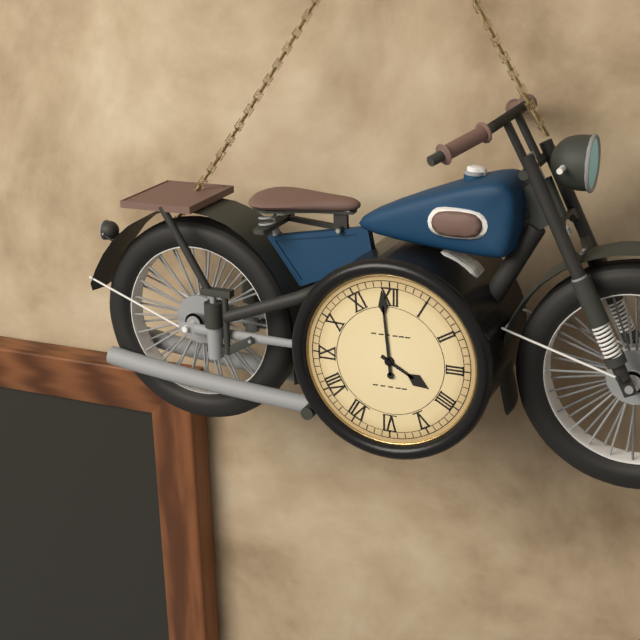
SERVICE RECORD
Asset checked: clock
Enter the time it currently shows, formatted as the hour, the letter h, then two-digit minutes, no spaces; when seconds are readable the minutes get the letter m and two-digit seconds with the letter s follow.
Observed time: 3h59
